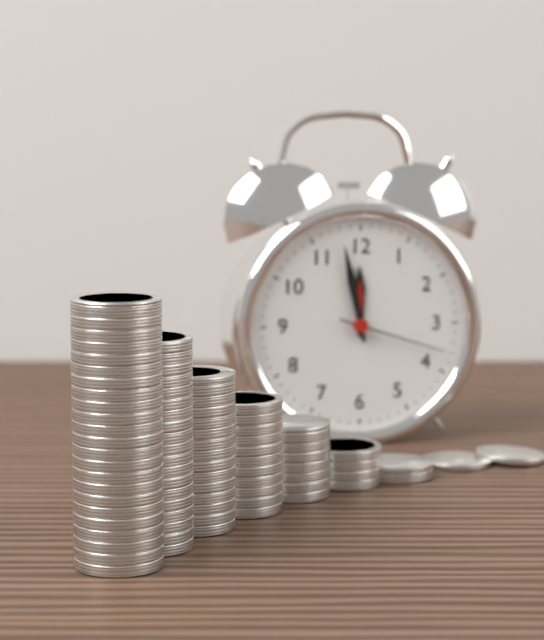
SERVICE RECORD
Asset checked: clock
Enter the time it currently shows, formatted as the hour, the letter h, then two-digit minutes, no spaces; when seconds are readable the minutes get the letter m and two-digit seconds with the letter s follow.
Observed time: 11h58m18s
